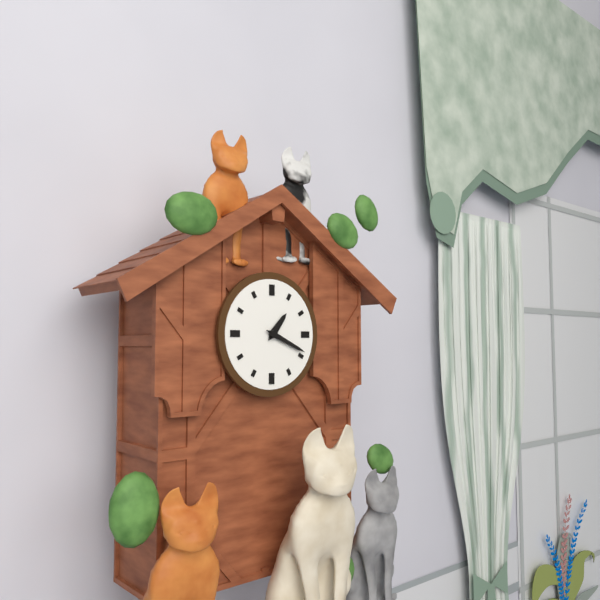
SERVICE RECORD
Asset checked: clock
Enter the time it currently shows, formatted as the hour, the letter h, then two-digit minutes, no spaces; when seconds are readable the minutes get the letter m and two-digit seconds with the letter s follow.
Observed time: 1h19
